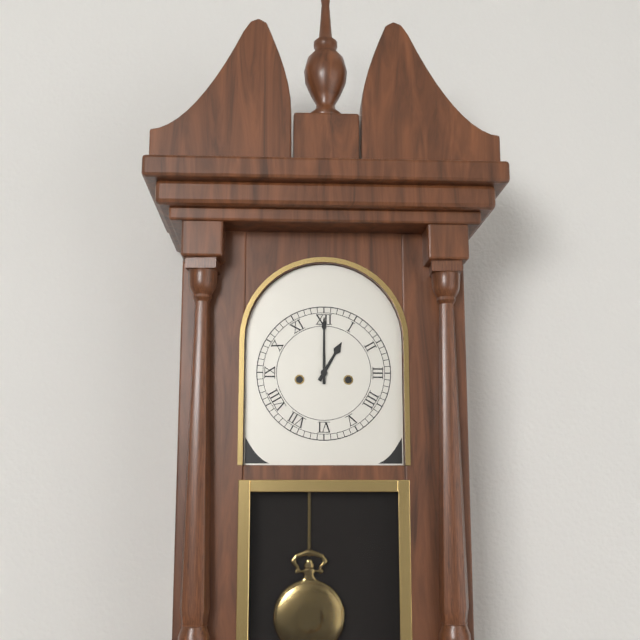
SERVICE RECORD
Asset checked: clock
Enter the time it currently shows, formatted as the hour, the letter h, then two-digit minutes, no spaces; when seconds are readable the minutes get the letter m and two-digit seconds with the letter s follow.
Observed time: 1h00
